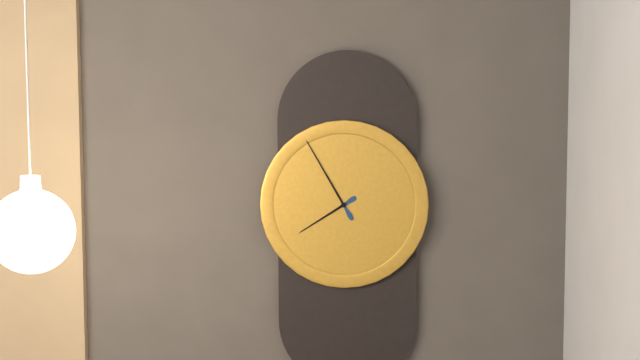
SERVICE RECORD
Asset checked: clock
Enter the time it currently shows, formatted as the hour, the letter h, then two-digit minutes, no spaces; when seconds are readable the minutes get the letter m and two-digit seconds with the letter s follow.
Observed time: 7h55
